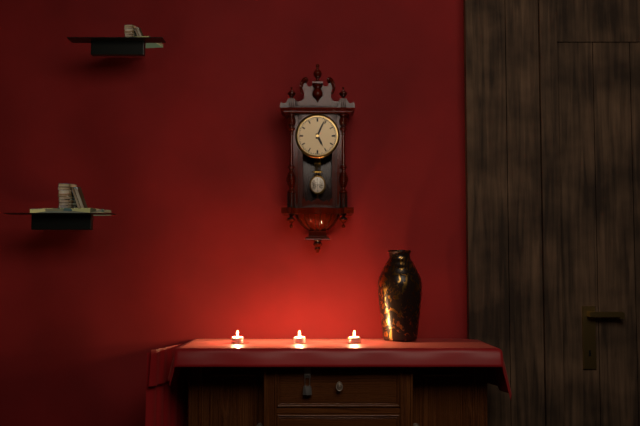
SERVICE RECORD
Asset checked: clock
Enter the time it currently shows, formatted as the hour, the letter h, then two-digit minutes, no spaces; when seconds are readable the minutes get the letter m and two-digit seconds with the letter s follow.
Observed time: 5h04
